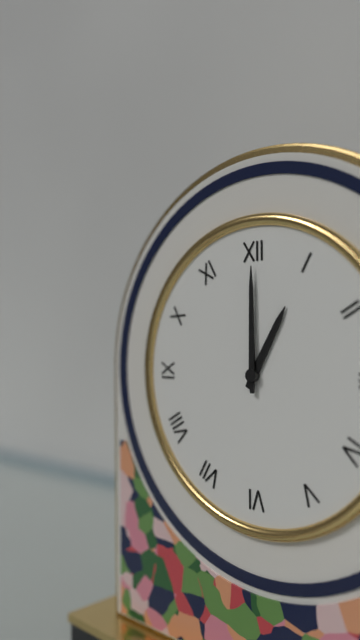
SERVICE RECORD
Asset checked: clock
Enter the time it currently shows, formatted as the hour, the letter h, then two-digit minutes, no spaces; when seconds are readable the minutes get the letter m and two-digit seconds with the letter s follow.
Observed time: 1h00
